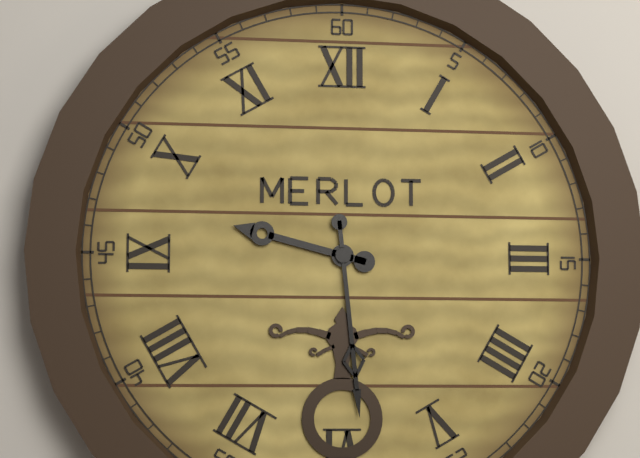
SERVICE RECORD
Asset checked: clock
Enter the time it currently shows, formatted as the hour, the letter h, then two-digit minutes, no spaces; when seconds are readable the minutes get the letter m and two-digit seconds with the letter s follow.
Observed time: 9h29
